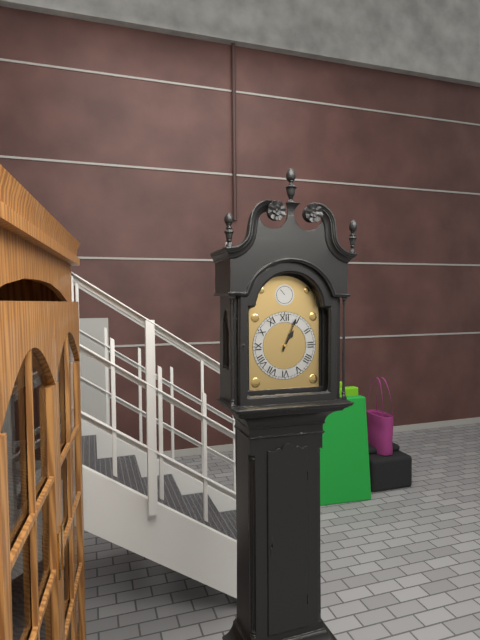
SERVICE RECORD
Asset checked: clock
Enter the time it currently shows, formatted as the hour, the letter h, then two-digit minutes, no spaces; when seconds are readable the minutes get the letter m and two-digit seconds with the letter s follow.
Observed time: 1h04
